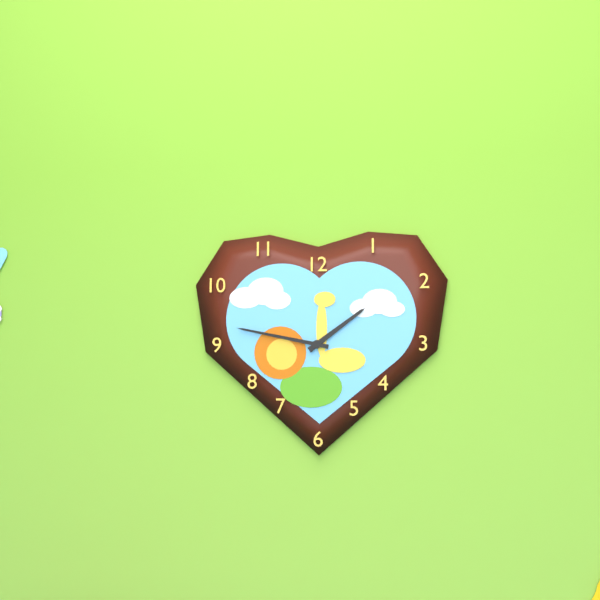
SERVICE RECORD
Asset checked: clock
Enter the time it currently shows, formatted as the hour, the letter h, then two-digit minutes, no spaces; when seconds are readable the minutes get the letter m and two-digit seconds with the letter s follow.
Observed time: 1h47
